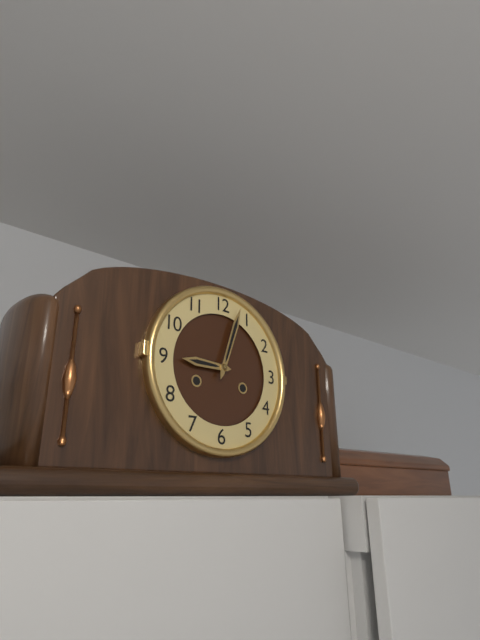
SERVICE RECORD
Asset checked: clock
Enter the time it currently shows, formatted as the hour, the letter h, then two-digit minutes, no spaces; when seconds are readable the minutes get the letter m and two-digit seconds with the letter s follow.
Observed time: 9h03
